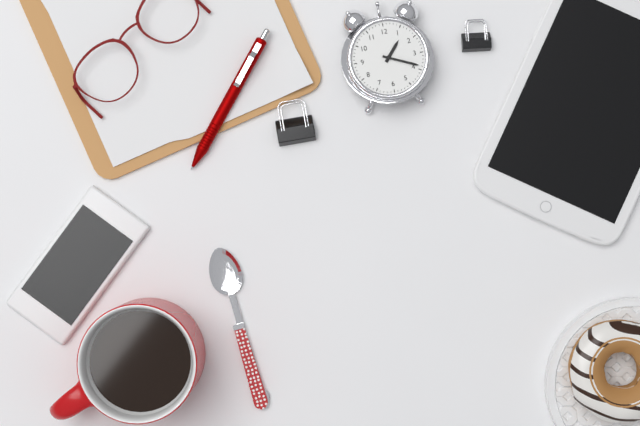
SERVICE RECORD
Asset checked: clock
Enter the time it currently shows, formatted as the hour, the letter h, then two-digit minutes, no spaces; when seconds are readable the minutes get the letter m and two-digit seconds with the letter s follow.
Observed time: 1h19
